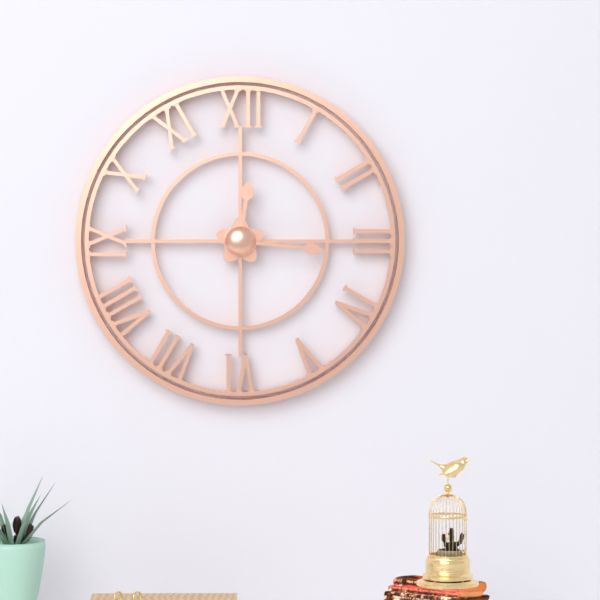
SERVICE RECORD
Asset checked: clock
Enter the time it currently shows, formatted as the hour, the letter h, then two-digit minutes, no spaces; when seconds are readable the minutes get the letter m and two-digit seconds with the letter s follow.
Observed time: 12h16
